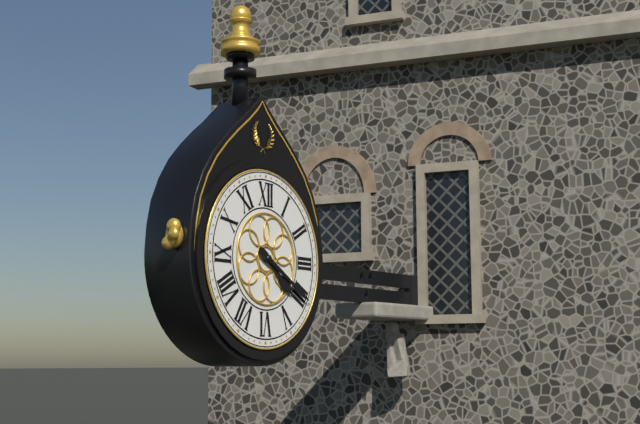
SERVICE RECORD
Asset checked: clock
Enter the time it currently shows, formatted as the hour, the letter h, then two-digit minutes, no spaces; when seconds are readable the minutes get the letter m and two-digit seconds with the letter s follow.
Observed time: 4h20
